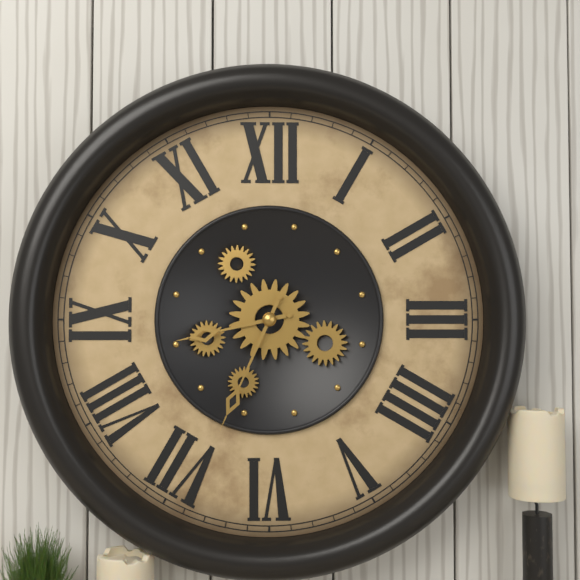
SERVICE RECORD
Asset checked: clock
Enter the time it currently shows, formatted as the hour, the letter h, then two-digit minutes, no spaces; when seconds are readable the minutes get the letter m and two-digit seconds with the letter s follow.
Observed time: 8h34
